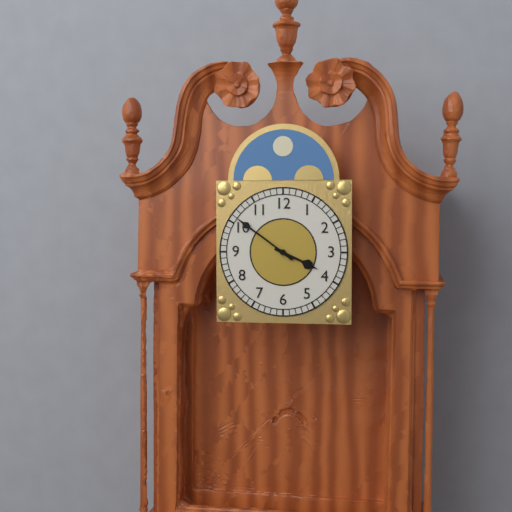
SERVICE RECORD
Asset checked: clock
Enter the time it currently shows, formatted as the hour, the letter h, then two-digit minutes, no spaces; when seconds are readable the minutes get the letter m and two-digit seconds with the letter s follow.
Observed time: 3h51
